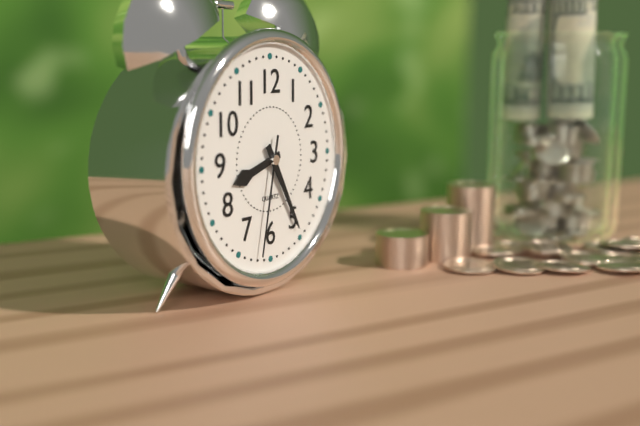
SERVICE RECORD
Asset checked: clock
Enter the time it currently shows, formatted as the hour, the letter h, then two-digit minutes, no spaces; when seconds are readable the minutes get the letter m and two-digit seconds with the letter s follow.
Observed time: 8h25m32s
